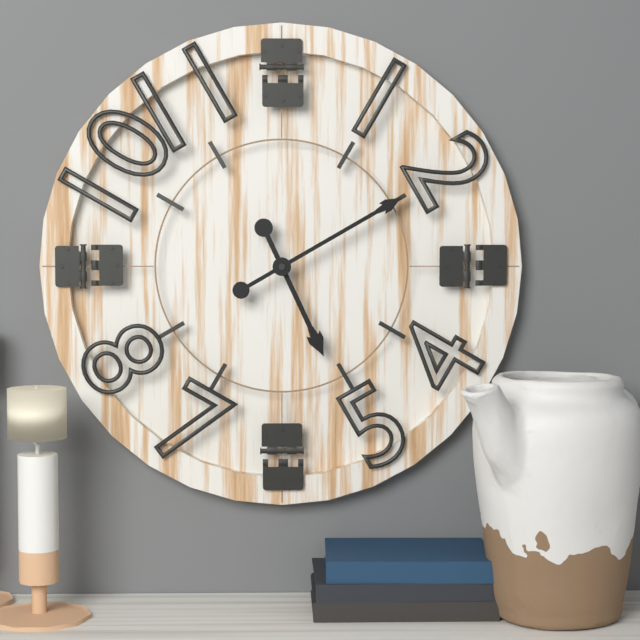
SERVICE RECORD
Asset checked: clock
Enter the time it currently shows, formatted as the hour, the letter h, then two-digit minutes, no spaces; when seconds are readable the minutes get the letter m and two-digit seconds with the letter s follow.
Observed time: 5h10
